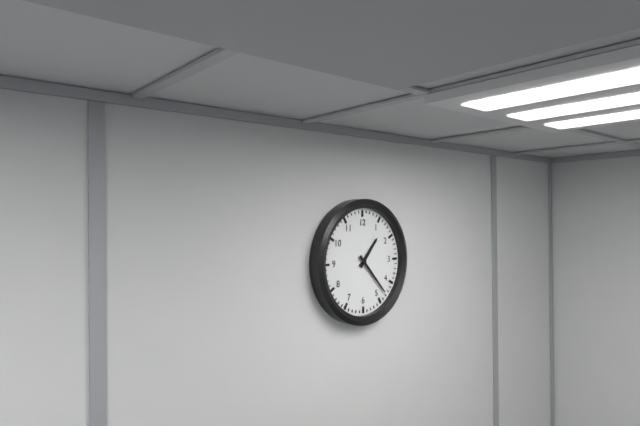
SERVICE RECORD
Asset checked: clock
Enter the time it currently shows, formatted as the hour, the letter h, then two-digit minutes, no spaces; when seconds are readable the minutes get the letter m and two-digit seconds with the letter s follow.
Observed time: 1h23
